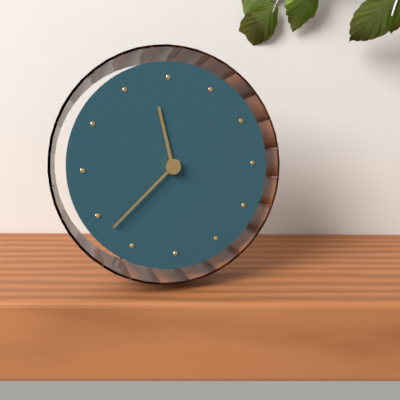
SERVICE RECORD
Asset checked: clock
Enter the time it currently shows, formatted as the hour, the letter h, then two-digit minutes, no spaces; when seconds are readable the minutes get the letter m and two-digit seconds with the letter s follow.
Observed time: 11h38
